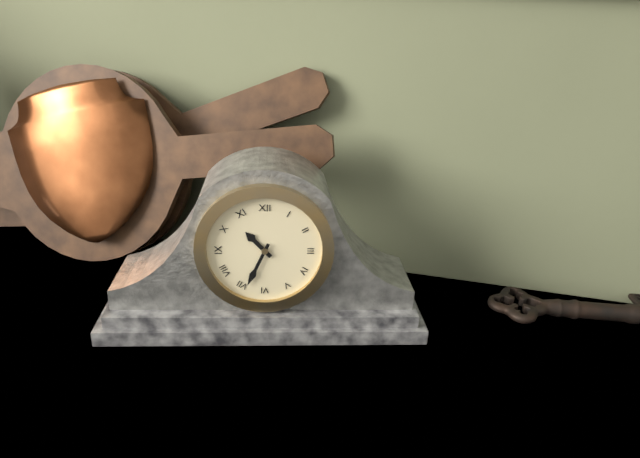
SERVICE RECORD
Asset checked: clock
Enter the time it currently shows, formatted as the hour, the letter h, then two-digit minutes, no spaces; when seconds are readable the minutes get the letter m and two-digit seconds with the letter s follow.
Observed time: 10h34
